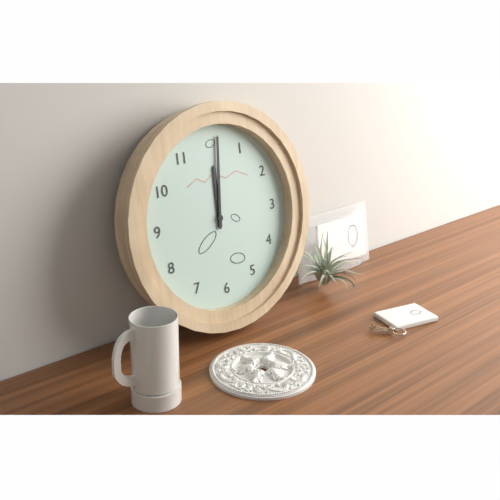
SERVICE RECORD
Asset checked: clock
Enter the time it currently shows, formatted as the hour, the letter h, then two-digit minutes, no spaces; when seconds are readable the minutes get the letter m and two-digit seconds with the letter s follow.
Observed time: 12h01
